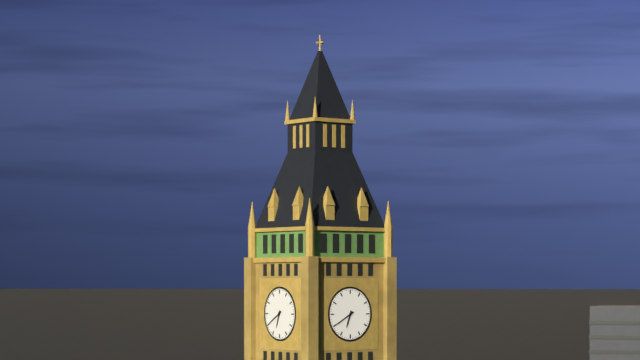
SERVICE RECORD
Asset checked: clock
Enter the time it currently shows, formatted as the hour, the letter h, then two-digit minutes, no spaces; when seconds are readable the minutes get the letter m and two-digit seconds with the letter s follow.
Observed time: 6h40
